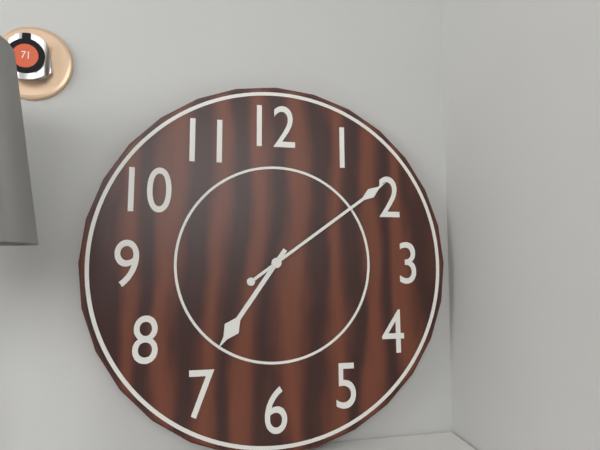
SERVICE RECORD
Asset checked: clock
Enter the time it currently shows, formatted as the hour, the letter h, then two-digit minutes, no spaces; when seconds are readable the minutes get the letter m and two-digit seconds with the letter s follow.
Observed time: 7h09
